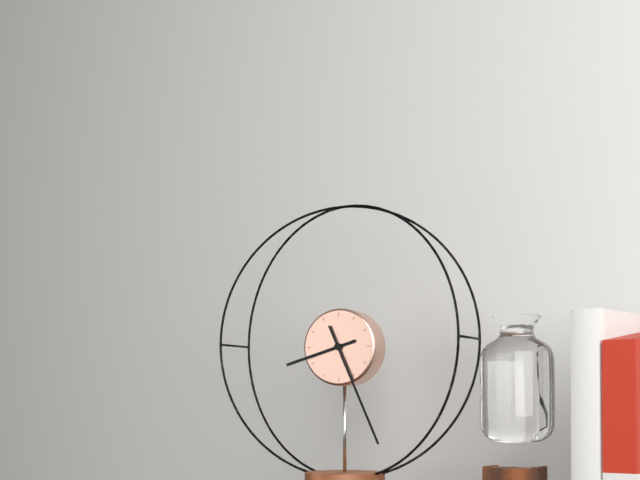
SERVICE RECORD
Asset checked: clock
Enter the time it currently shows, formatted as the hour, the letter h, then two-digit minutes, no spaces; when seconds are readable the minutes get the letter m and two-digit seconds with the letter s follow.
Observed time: 8h26
